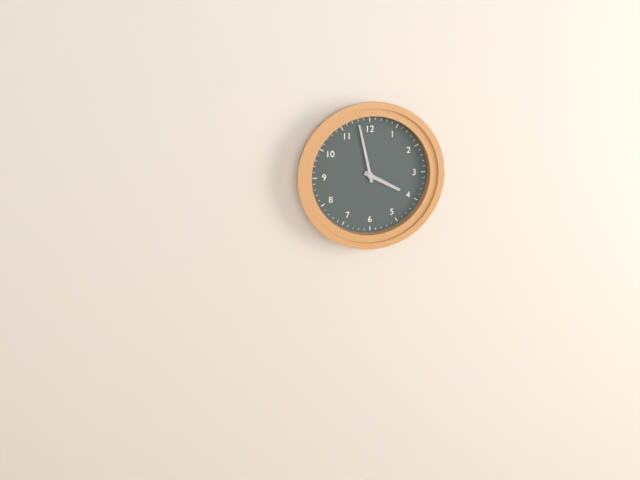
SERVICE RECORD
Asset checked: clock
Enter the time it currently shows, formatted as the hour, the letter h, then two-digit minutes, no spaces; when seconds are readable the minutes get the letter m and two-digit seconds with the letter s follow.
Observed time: 3h58
